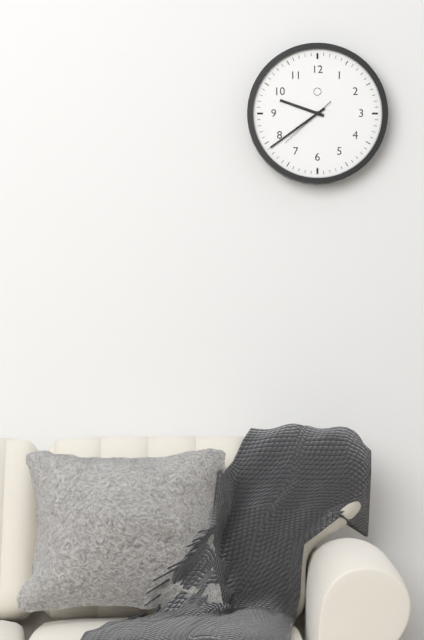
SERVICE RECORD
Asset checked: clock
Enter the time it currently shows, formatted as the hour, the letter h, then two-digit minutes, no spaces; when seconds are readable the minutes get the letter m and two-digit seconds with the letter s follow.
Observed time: 9h39m38s
